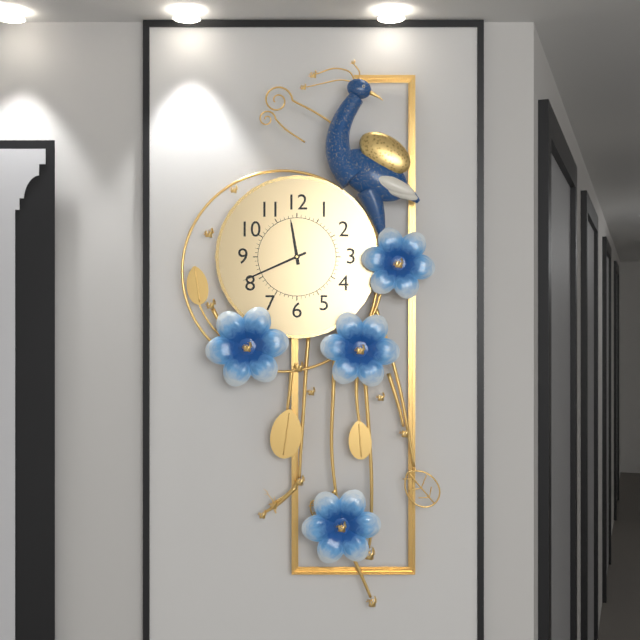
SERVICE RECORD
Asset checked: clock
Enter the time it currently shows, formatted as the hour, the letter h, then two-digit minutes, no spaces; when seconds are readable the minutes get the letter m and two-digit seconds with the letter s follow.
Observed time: 11h41
